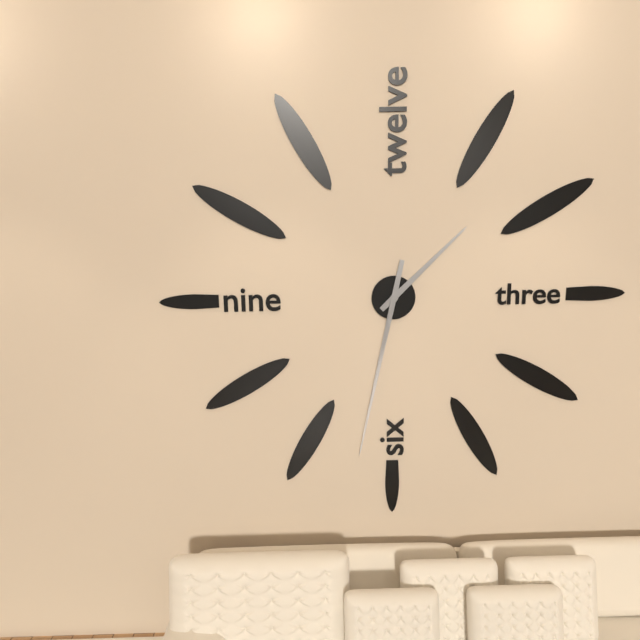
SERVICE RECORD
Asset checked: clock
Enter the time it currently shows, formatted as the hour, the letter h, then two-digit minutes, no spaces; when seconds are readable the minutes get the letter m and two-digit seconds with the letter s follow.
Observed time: 1h32
